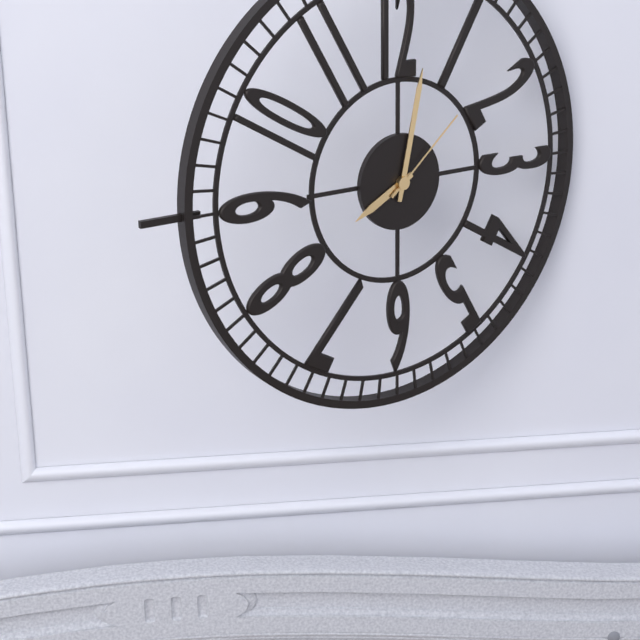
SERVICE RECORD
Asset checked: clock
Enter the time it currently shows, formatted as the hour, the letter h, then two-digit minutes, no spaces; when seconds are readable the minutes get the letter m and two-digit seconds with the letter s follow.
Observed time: 8h02m08s
